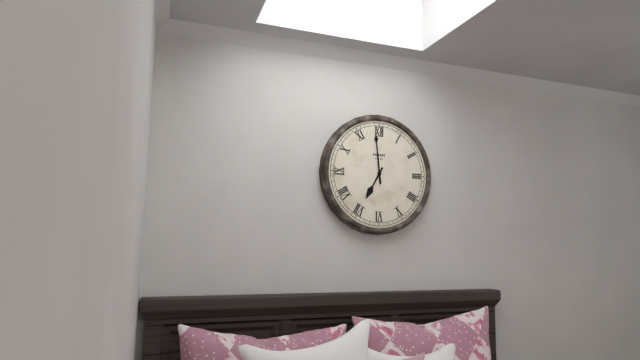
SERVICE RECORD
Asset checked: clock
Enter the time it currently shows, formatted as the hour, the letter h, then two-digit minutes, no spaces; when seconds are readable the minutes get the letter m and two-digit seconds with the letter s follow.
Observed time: 6h59
